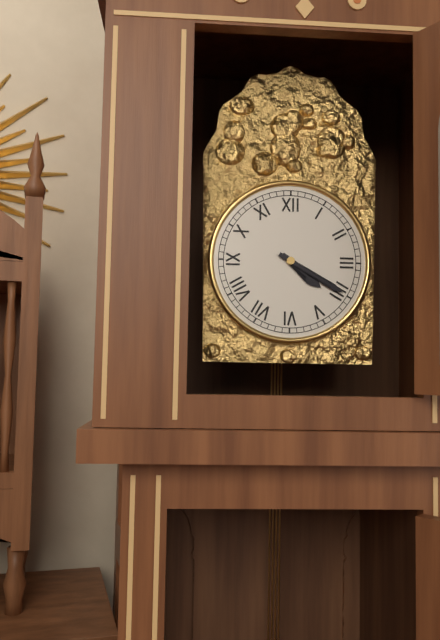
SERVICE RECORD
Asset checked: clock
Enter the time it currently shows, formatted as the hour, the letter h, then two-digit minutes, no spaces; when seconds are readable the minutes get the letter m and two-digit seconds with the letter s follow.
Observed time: 4h20
